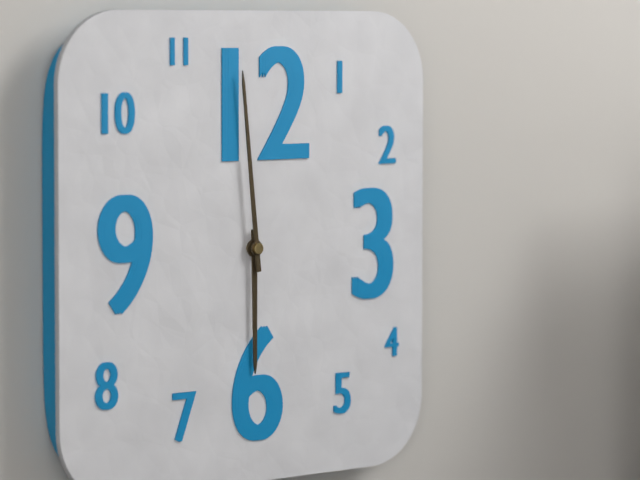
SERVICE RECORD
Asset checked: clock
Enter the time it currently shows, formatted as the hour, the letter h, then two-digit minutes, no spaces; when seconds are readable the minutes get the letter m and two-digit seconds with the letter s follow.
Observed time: 5h59
